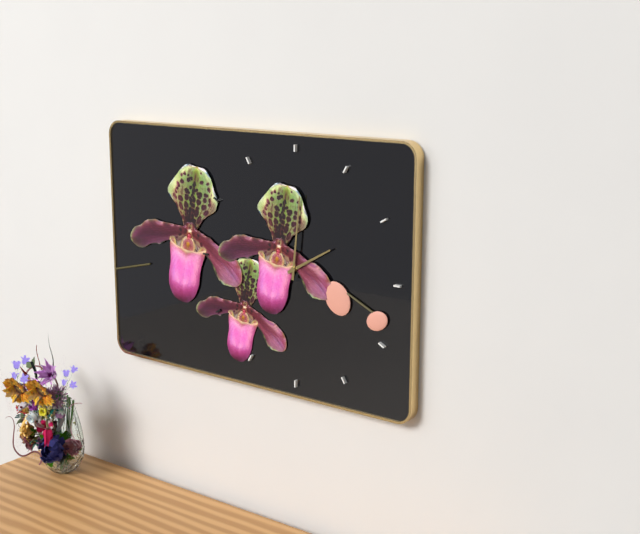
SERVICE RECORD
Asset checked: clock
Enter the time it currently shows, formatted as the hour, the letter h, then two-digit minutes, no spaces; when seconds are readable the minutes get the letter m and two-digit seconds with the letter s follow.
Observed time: 2h01
